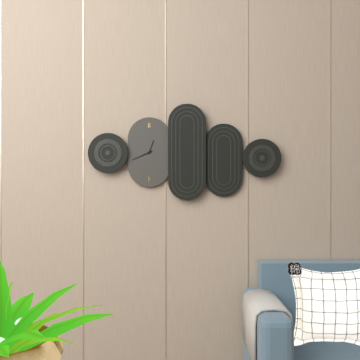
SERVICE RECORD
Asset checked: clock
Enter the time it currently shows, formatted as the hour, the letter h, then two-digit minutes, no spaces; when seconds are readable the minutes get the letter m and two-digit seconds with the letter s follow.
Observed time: 12h41
